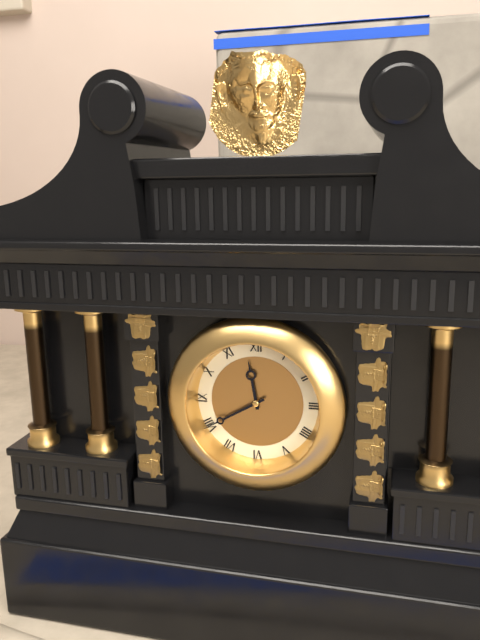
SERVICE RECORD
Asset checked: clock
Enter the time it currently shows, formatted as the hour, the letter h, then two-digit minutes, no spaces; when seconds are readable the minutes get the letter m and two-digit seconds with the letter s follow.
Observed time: 11h40
